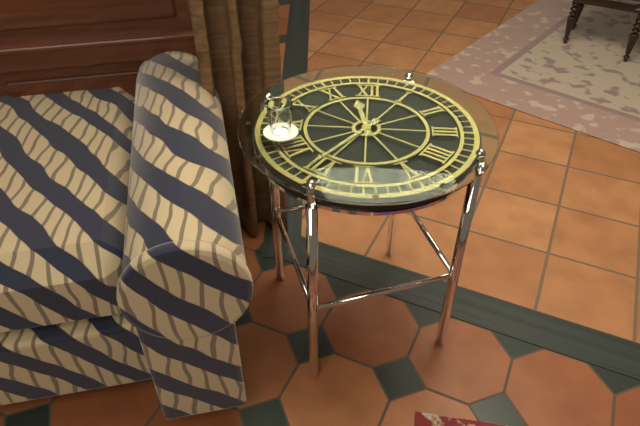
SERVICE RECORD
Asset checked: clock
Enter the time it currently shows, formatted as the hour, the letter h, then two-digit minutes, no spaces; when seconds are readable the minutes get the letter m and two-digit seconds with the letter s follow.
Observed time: 11h36
